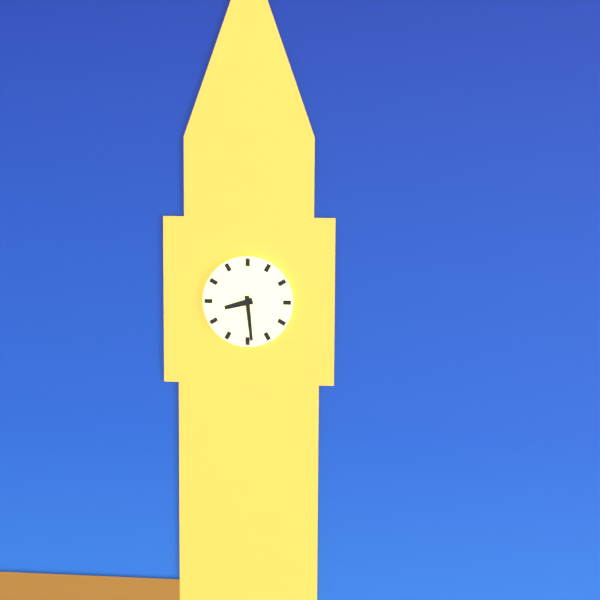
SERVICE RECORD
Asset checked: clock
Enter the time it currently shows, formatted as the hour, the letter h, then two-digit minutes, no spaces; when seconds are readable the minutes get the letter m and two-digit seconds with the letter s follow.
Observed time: 8h29
